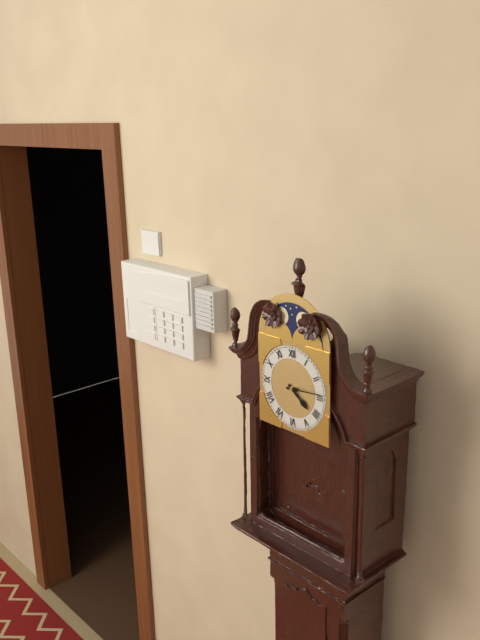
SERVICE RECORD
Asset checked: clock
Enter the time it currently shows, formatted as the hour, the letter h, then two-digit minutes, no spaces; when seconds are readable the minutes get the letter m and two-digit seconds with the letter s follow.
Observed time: 4h14
